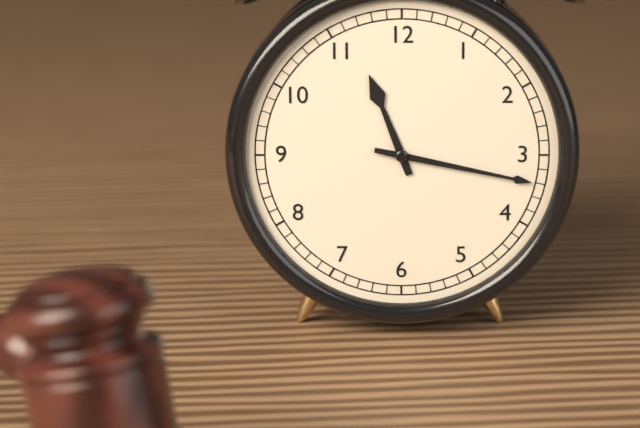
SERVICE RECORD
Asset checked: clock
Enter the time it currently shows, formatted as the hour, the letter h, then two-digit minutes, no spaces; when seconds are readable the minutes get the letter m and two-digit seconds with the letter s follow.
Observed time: 11h17
